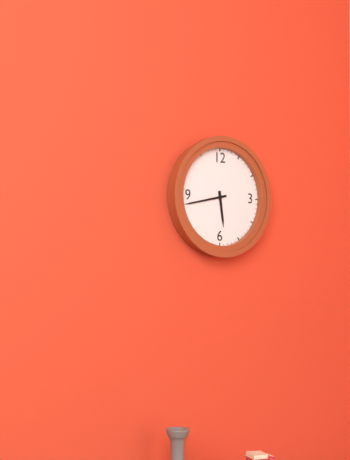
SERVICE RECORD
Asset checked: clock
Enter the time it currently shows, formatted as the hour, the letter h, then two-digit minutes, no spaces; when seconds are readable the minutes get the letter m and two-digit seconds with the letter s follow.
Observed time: 5h43
